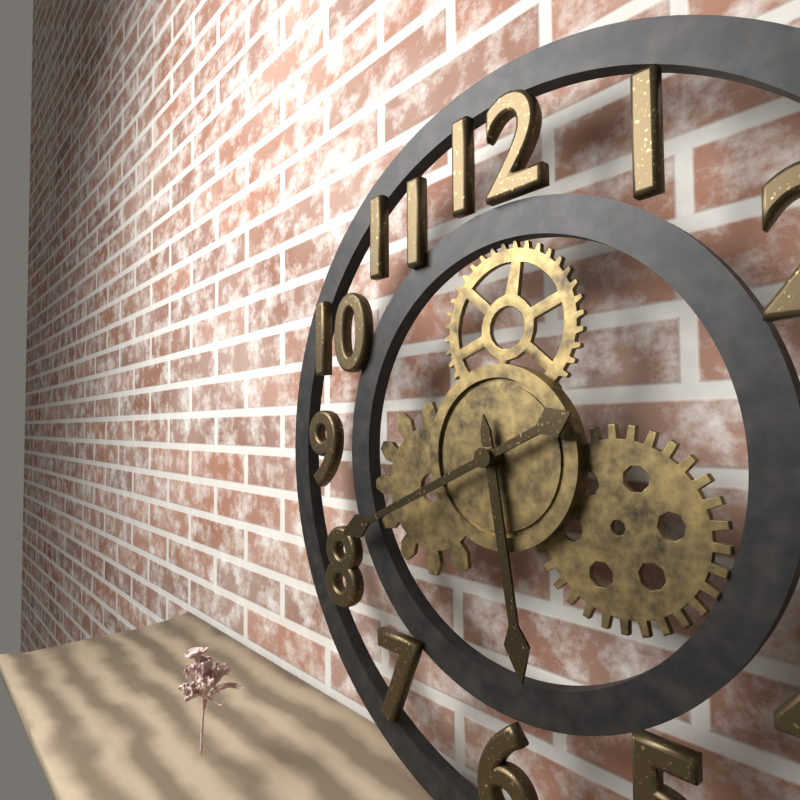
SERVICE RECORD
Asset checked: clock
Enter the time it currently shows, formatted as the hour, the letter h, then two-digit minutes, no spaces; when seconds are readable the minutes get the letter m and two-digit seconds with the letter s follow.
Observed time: 5h41
